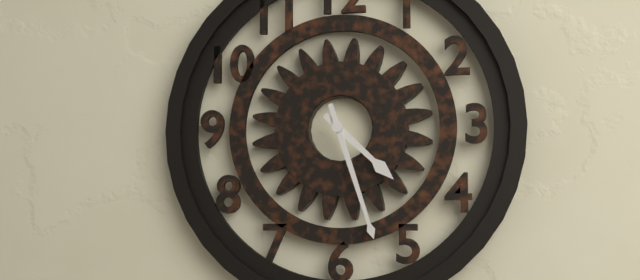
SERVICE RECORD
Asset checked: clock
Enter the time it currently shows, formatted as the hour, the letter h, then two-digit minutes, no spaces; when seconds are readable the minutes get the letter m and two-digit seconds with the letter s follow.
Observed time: 4h27
